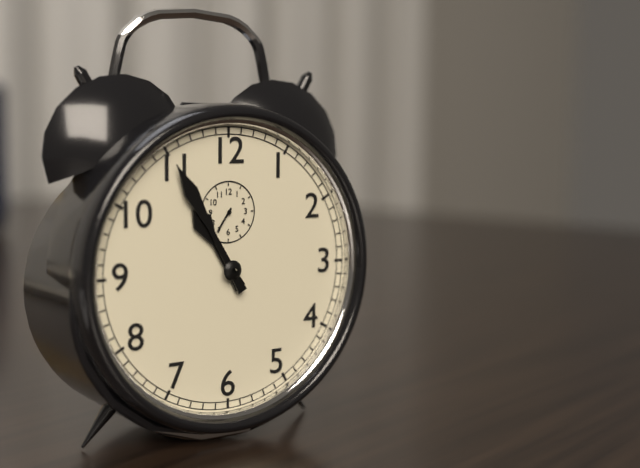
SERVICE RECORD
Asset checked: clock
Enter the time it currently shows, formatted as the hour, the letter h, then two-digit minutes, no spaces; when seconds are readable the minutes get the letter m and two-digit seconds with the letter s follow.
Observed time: 10h55
